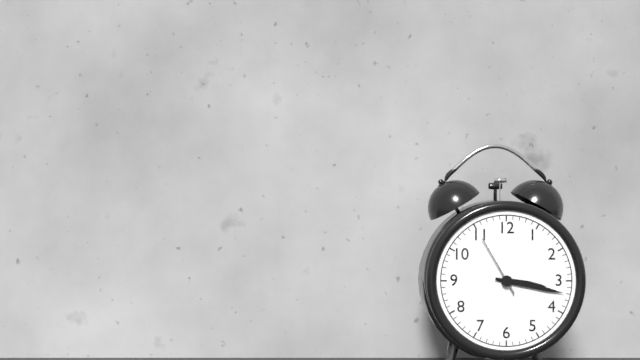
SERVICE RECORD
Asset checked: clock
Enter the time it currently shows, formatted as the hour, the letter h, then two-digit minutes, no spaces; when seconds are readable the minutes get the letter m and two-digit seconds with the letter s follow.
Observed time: 3h17m55s
